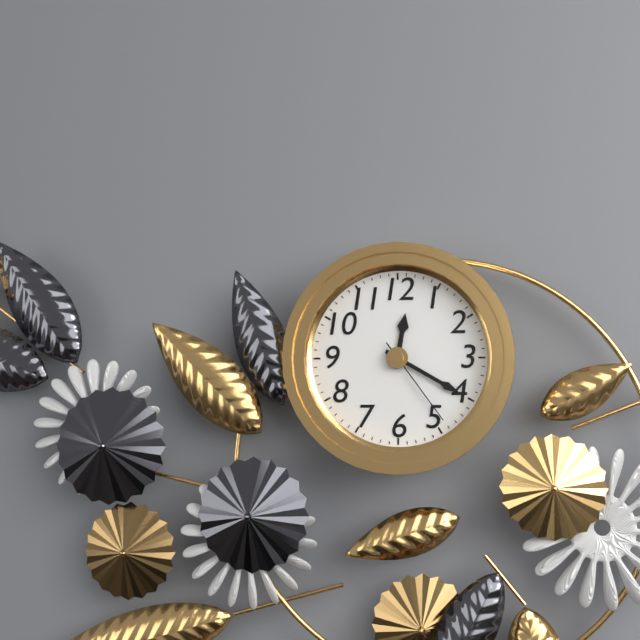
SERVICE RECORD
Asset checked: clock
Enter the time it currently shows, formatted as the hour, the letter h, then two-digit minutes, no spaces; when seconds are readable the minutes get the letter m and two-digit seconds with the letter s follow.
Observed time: 12h20m24s
